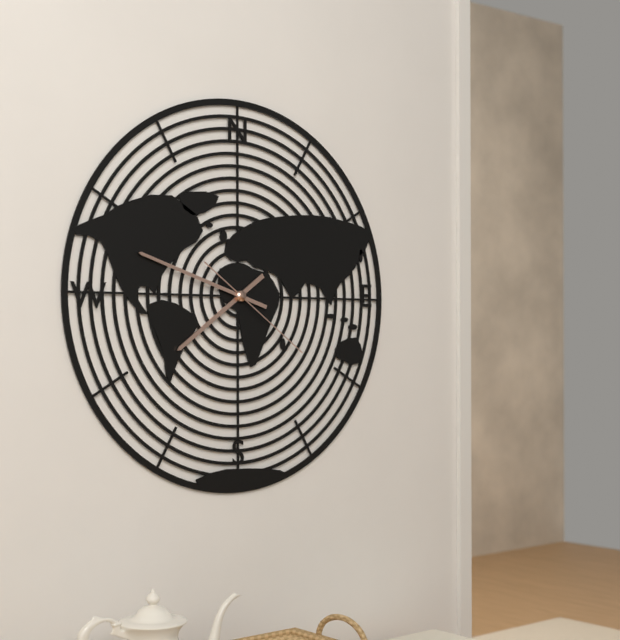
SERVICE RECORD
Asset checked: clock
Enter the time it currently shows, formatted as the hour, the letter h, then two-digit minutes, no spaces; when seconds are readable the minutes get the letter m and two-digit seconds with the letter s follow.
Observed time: 7h48m21s
